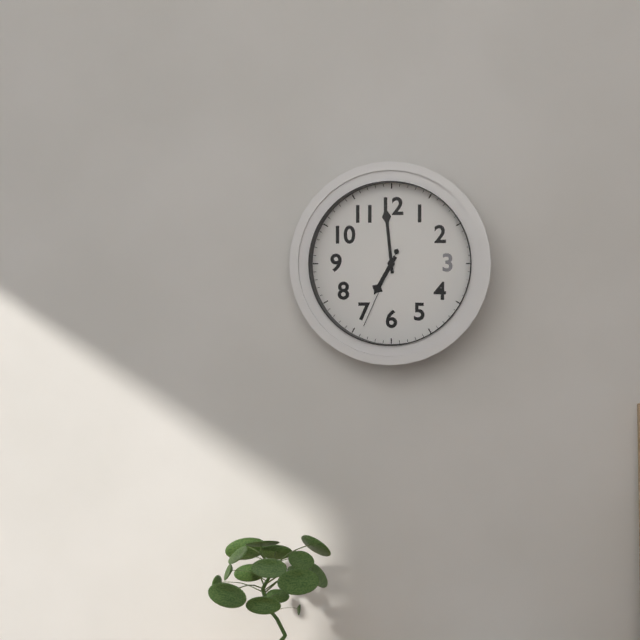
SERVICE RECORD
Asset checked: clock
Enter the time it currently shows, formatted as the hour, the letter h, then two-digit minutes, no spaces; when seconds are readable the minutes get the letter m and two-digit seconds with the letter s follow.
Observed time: 6h59m34s
